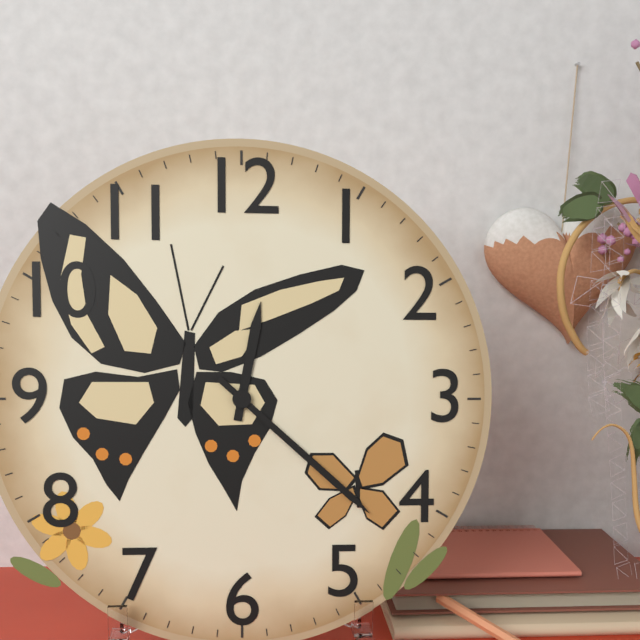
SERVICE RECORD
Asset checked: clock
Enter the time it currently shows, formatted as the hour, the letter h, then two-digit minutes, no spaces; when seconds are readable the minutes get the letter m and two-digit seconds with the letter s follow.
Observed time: 12h22
